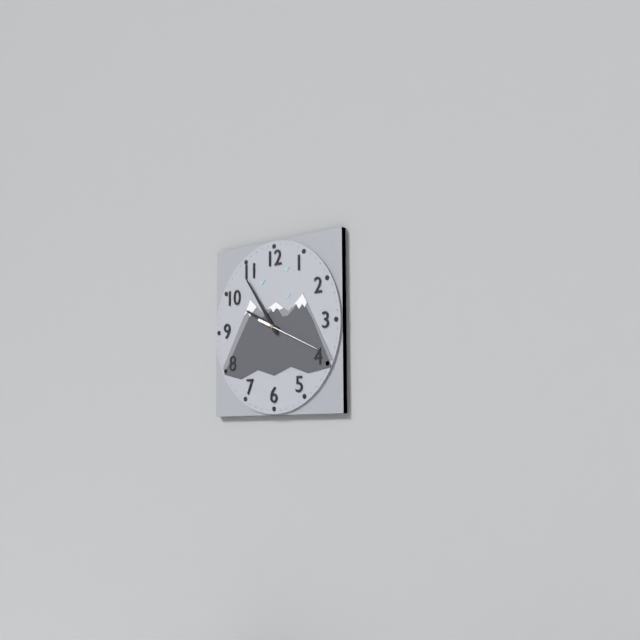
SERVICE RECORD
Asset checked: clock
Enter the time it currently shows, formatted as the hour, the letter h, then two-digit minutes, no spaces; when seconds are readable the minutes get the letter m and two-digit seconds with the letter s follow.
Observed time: 9h54m19s
